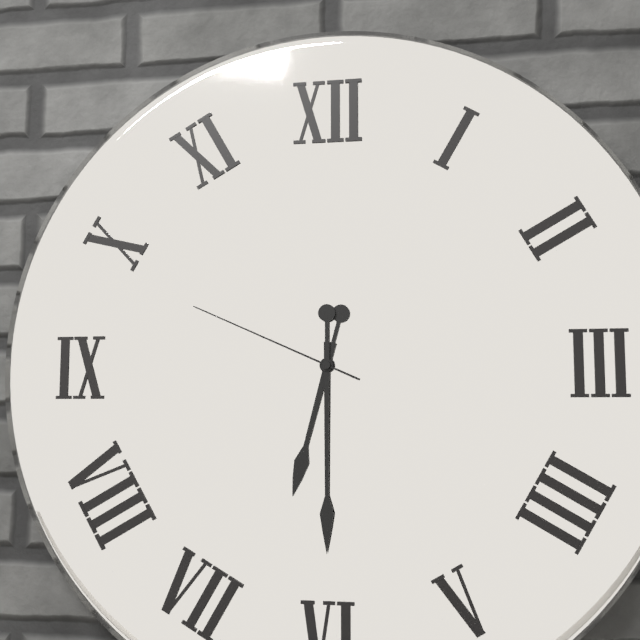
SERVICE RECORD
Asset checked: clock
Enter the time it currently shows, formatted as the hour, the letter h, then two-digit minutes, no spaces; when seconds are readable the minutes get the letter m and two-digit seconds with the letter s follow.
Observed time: 6h30m49s
